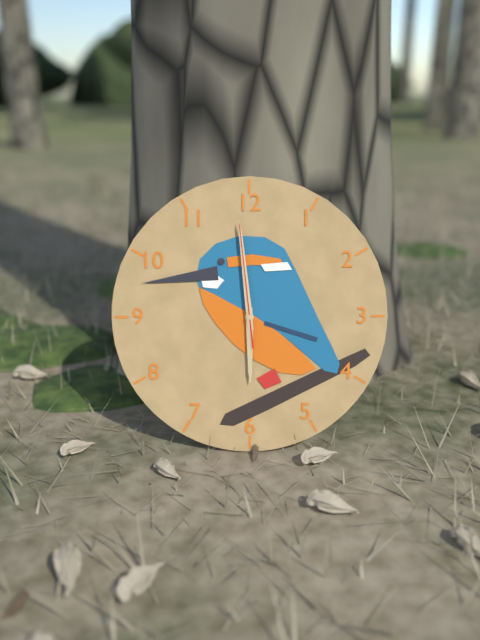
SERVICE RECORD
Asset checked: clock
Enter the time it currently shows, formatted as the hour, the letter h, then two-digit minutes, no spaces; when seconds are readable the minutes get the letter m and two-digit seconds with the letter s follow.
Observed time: 5h59m59s
